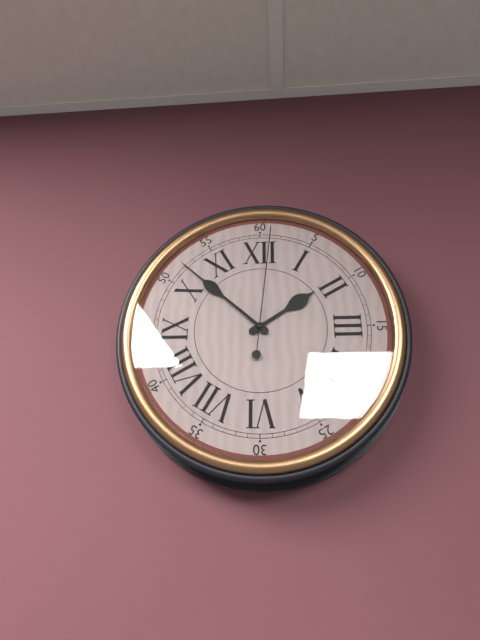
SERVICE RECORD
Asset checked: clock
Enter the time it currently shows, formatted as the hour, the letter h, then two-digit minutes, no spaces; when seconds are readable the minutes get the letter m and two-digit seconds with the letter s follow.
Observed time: 1h52m01s
